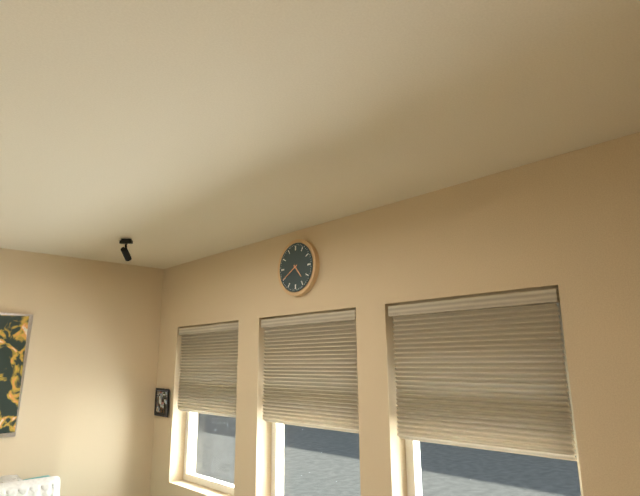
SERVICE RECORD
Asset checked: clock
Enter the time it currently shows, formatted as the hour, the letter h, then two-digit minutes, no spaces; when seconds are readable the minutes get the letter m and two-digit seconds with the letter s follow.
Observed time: 4h40
